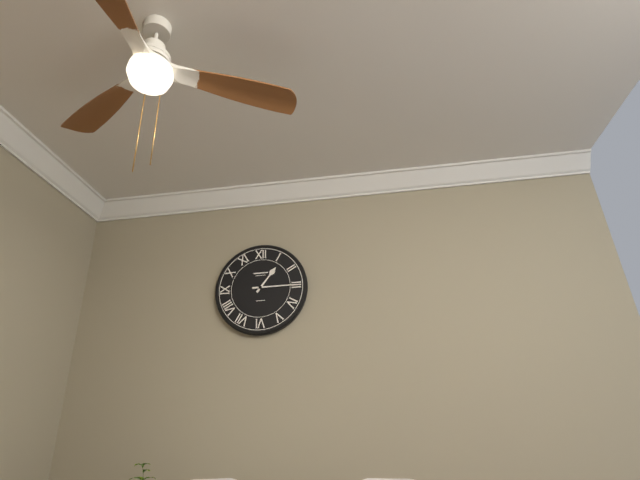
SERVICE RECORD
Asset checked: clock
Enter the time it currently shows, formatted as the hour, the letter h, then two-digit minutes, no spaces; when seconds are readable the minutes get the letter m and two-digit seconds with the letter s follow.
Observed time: 1h15
